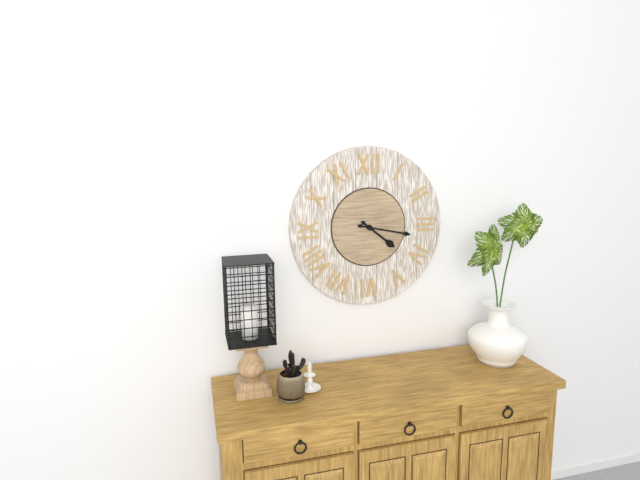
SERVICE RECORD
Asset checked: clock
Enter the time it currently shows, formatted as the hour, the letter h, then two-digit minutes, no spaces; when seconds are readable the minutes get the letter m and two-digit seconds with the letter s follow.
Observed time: 4h17
